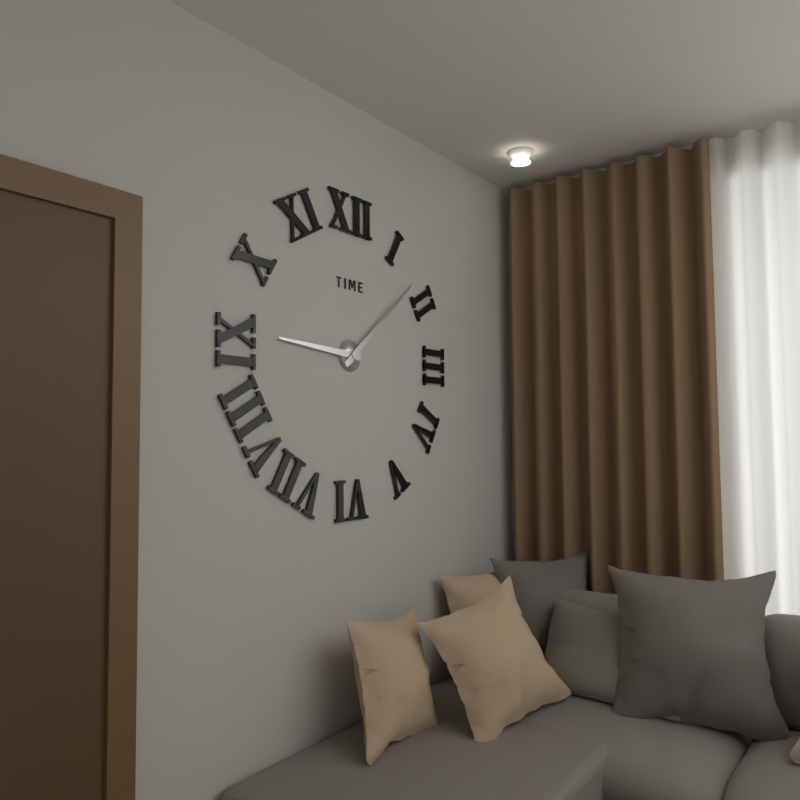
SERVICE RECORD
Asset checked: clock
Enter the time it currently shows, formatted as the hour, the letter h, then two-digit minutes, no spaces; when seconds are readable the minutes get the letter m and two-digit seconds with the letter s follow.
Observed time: 9h08
